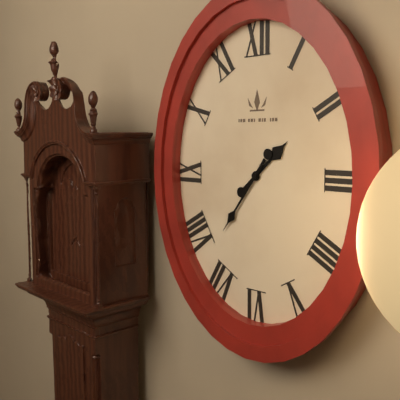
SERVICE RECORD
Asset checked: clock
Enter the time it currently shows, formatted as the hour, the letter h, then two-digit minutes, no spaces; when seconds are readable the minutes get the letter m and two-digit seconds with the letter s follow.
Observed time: 1h36
